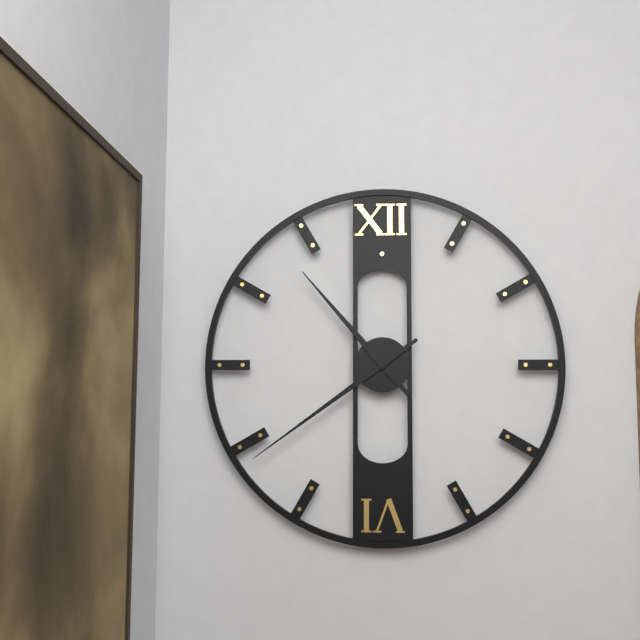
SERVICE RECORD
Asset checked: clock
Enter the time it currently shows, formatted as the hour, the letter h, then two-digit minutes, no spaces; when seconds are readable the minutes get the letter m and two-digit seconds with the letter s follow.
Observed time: 10h39
